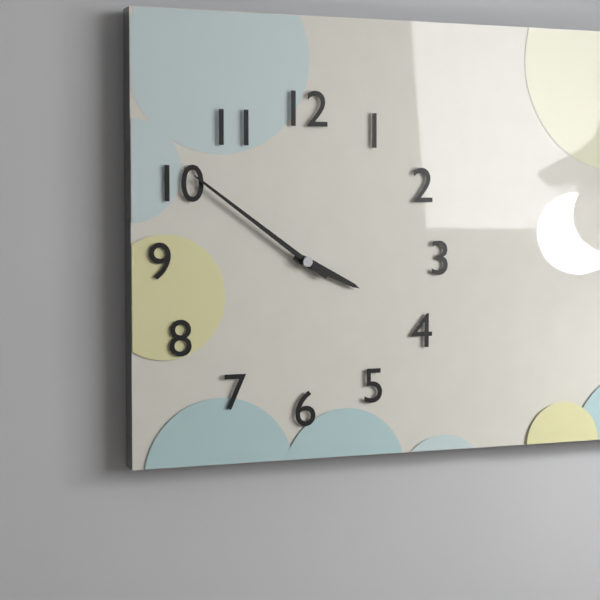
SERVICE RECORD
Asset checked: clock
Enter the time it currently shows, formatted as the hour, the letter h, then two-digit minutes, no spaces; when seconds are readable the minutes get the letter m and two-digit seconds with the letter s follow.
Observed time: 3h51
